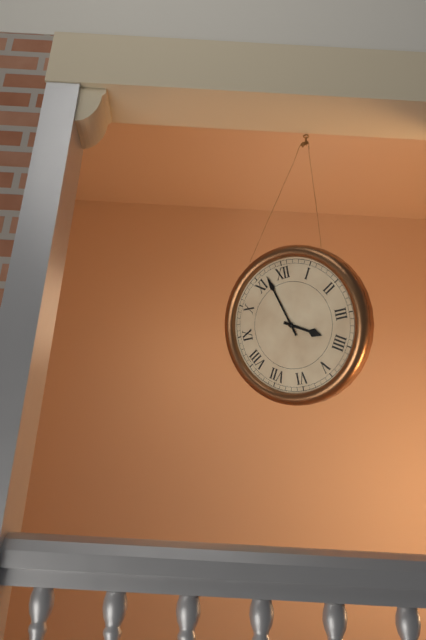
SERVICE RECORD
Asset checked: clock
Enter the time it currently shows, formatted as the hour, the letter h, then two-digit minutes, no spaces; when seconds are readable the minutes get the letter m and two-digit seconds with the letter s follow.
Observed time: 3h57
